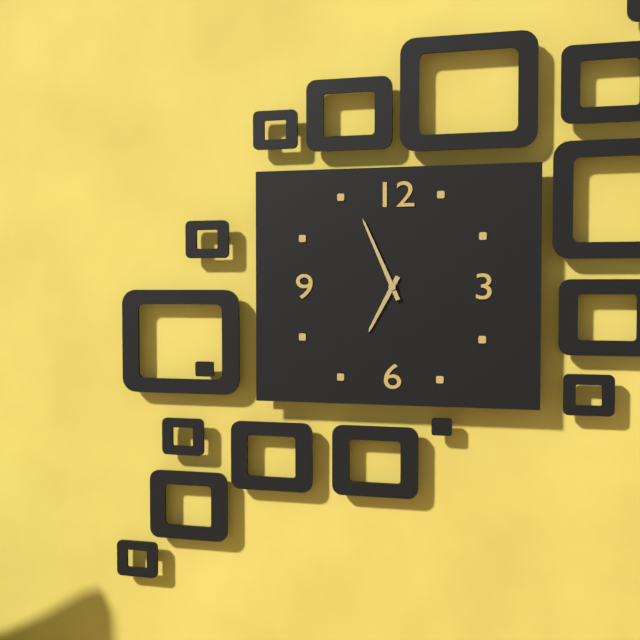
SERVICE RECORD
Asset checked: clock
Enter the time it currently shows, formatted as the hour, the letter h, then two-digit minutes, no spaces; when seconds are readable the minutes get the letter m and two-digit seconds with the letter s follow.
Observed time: 6h56
